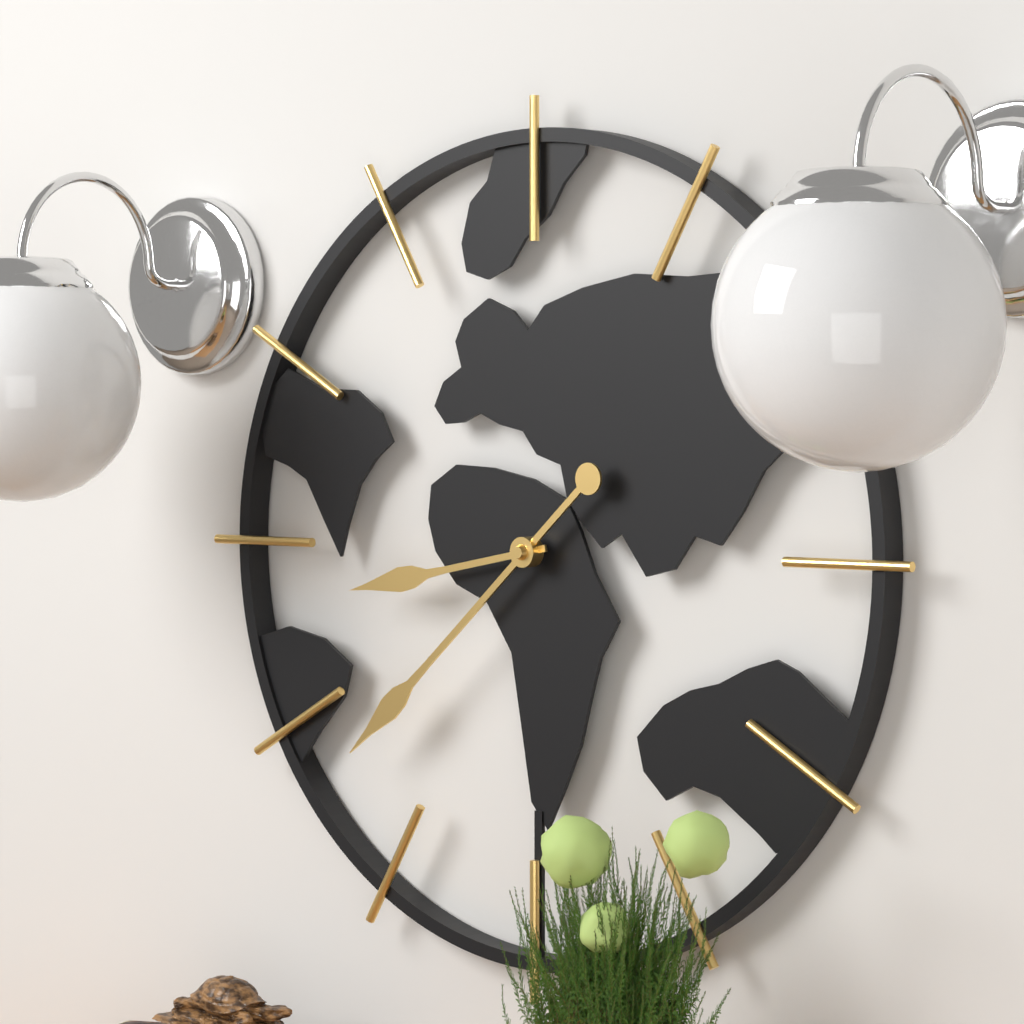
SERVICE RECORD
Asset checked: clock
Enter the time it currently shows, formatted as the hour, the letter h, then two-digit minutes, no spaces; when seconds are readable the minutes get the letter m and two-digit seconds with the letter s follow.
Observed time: 8h38
